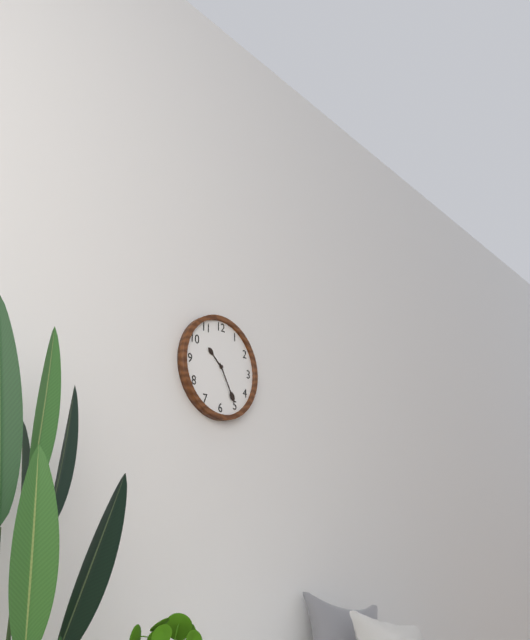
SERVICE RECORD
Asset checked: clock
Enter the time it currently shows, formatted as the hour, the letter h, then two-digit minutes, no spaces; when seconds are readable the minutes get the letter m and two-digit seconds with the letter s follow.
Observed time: 10h25
